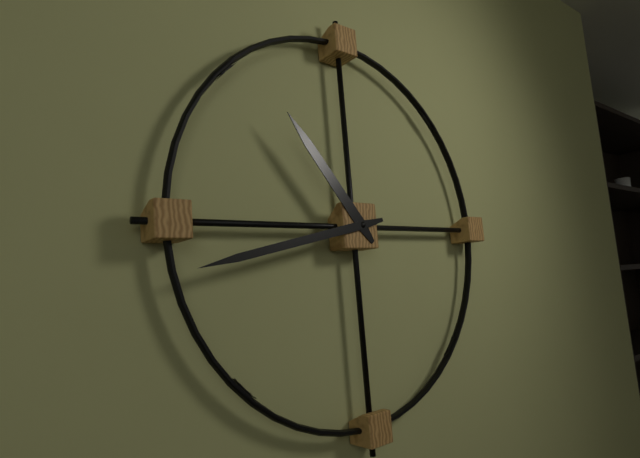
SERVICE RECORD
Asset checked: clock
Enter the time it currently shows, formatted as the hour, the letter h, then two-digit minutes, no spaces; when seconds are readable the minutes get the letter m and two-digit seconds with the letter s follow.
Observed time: 10h43
